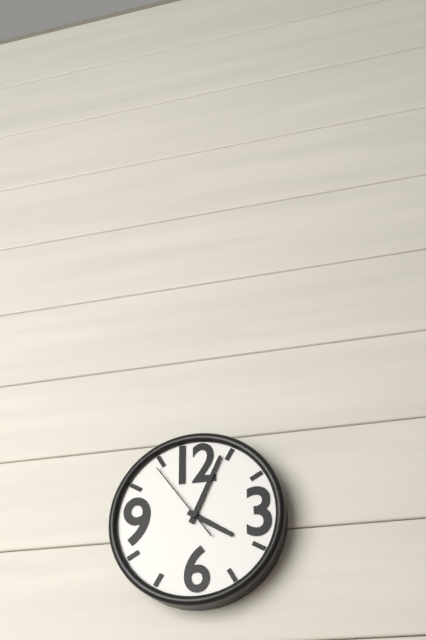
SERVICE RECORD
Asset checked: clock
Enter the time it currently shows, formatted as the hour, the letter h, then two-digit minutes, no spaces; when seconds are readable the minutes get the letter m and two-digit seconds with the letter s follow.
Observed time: 4h04m54s
